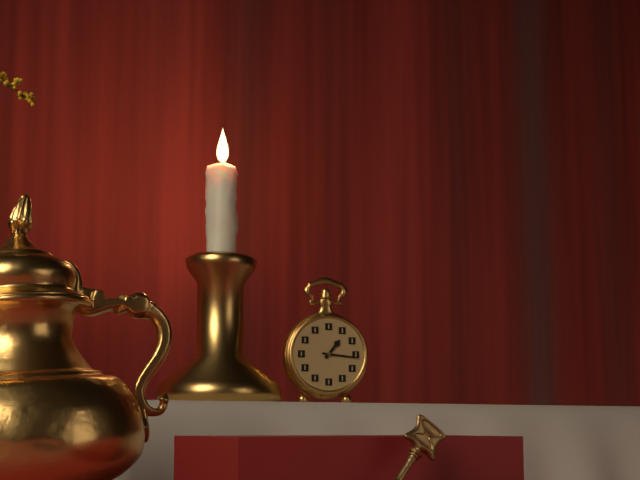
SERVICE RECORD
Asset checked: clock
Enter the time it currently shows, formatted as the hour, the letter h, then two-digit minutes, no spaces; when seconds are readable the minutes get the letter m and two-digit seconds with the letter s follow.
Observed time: 1h16
